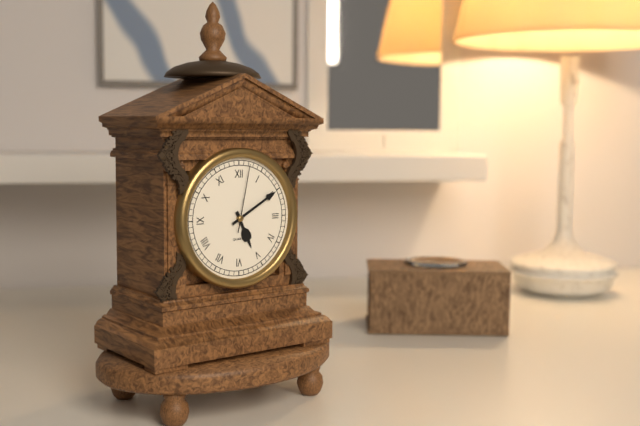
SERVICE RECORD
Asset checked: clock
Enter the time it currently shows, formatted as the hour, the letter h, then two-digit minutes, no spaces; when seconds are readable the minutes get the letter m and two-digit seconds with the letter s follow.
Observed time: 5h10m02s
